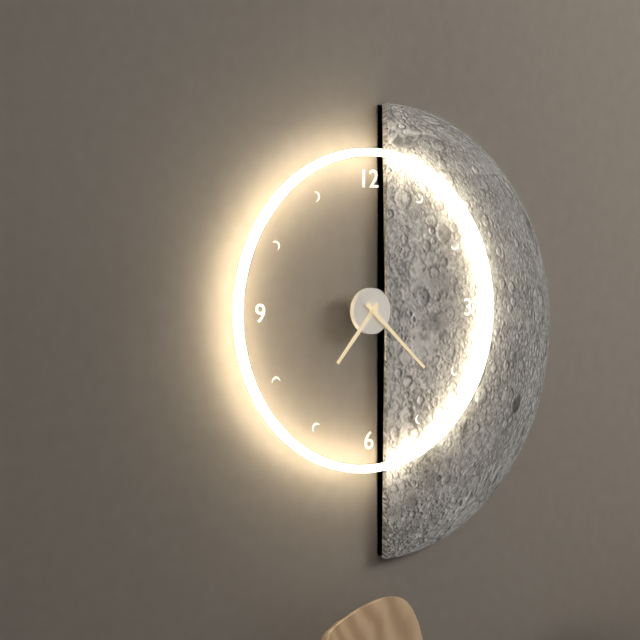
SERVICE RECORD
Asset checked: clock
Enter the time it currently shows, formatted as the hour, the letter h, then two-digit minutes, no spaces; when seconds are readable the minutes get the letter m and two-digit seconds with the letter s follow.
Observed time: 7h22
